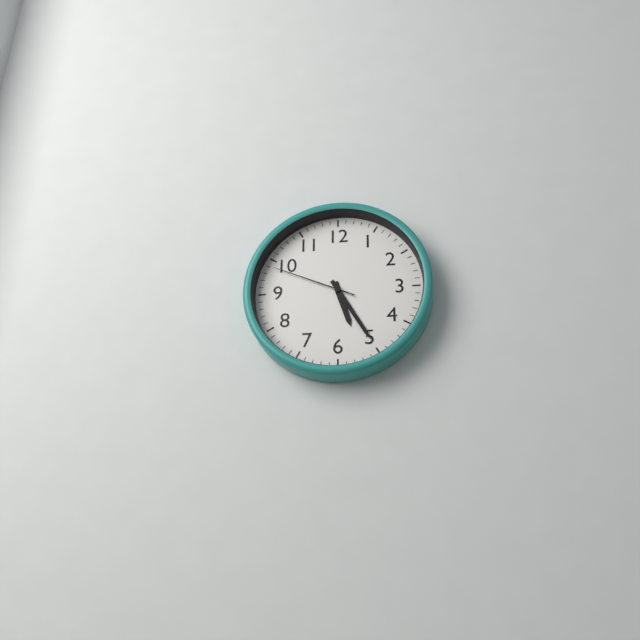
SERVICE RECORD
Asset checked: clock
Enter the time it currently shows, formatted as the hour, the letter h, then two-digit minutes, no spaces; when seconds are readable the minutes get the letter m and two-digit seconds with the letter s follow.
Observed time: 5h25m49s
